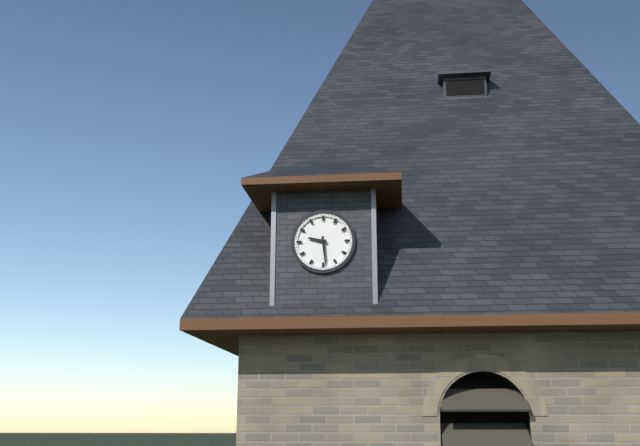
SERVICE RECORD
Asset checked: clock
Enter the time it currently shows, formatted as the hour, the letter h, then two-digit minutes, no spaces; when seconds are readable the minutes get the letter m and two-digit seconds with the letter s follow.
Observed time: 9h29
